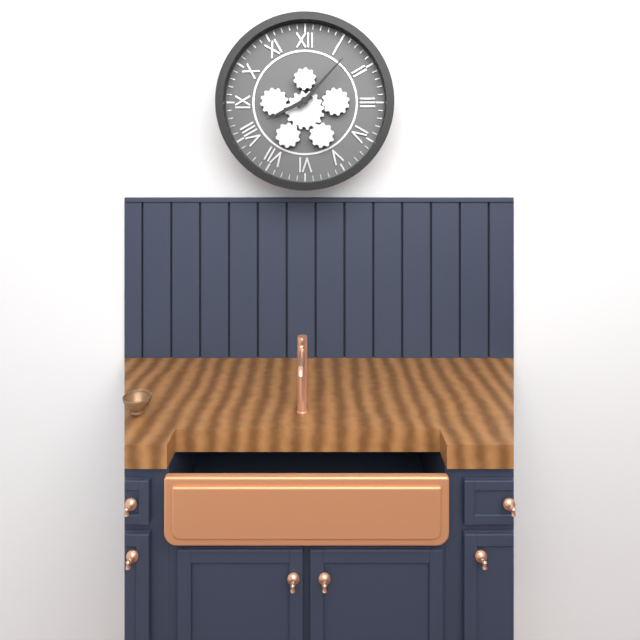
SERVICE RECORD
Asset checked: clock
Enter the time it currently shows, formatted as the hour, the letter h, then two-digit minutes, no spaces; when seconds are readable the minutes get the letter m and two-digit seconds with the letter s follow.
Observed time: 8h07
